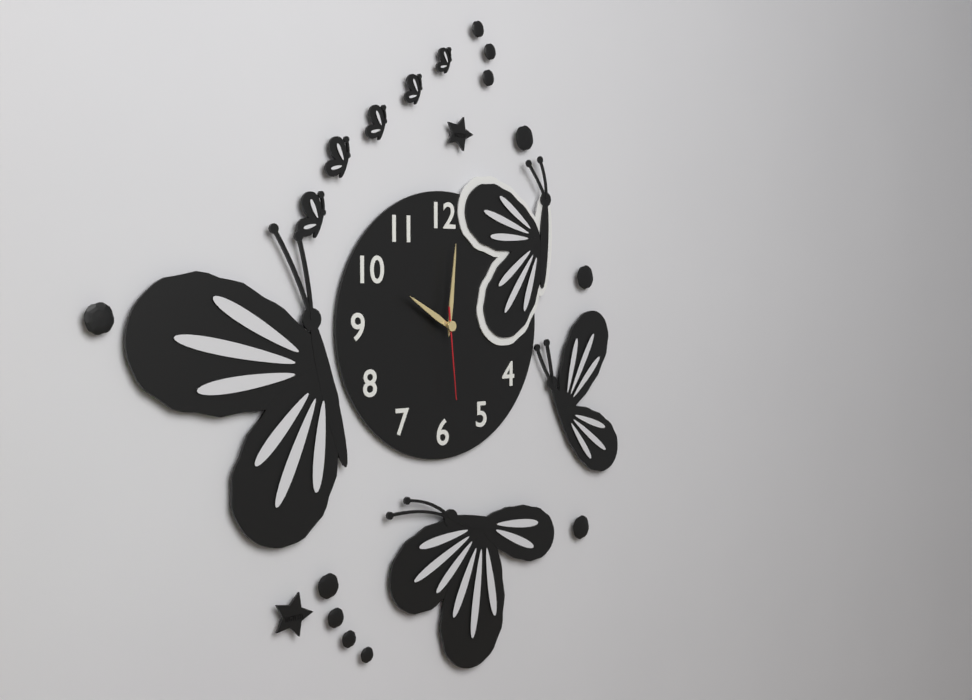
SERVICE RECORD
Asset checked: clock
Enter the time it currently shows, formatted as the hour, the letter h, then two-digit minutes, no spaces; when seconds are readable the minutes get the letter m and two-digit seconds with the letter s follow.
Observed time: 10h01m29s
